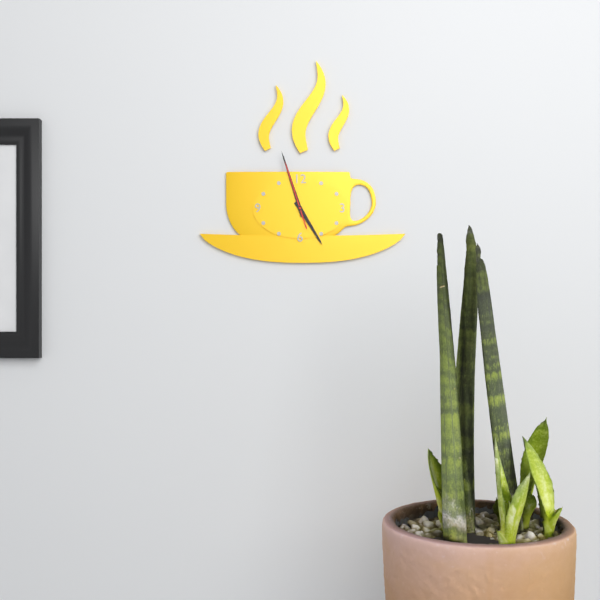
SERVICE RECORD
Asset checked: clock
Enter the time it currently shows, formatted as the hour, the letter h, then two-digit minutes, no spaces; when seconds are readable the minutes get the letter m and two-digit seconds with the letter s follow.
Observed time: 4h57m57s
